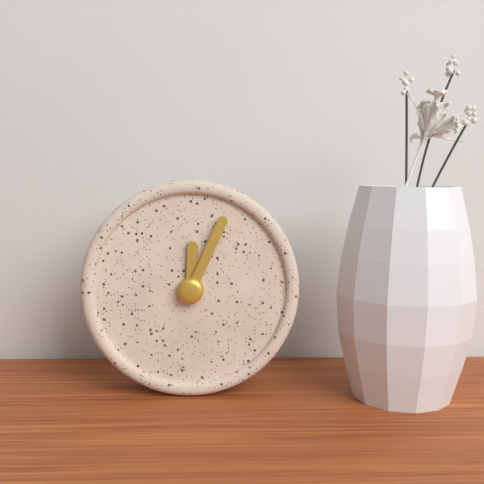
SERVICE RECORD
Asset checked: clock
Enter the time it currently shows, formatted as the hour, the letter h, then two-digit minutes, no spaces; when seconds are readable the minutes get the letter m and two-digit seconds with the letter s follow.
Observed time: 12h04
